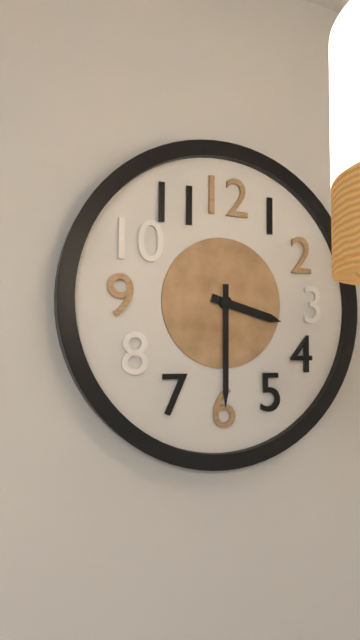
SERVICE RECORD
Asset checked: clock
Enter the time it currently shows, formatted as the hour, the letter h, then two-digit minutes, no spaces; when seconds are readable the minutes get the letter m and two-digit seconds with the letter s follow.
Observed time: 3h30
